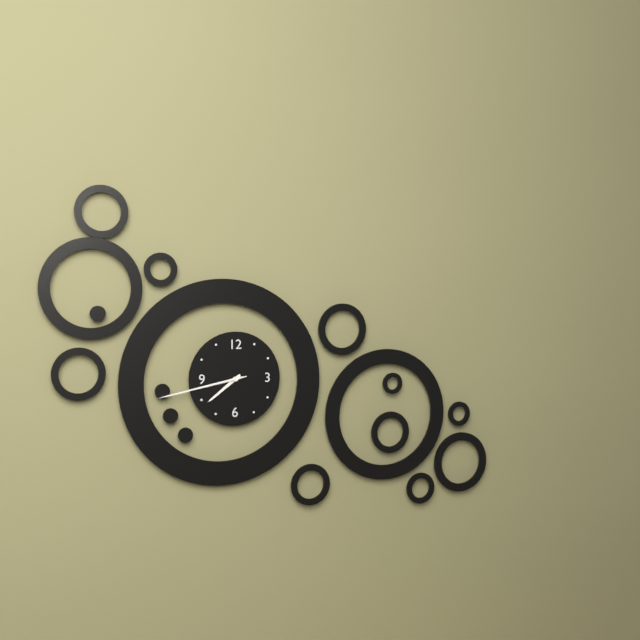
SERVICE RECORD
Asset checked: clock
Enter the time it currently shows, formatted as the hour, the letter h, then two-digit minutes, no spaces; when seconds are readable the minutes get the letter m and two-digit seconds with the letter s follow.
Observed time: 7h43m43s
